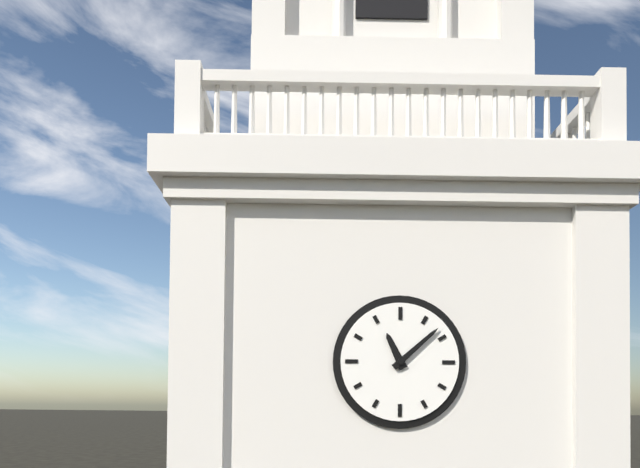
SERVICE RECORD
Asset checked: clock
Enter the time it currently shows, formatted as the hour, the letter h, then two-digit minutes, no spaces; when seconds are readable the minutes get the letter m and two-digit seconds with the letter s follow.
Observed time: 11h08
